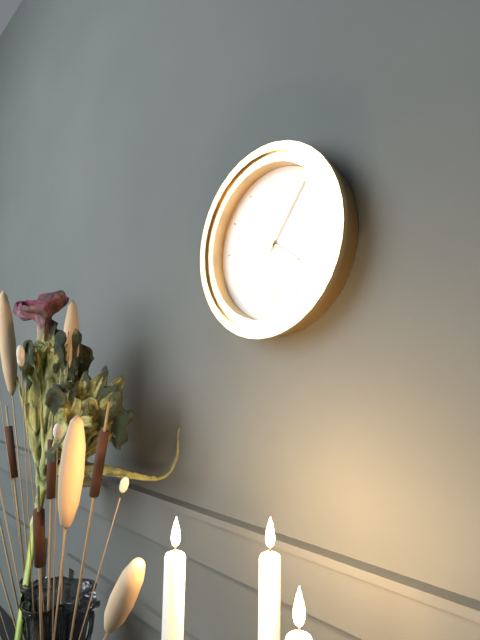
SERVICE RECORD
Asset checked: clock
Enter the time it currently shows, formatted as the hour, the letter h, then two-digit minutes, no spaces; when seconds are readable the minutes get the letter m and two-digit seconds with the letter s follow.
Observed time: 4h06
